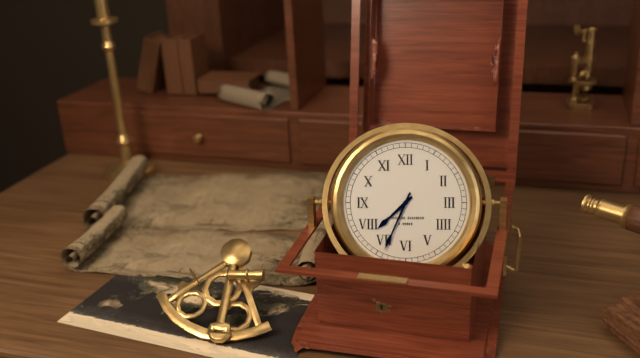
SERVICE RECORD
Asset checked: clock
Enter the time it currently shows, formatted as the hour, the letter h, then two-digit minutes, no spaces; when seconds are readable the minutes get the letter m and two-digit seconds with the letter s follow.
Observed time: 7h34
